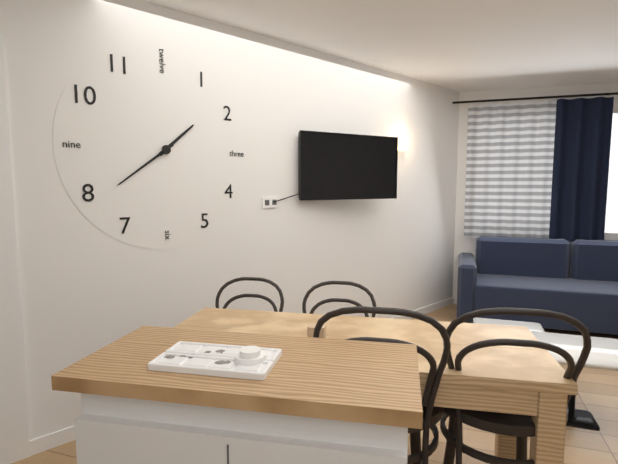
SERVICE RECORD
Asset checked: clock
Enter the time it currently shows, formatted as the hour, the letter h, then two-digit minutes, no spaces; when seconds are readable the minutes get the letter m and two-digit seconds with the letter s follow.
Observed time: 1h39
